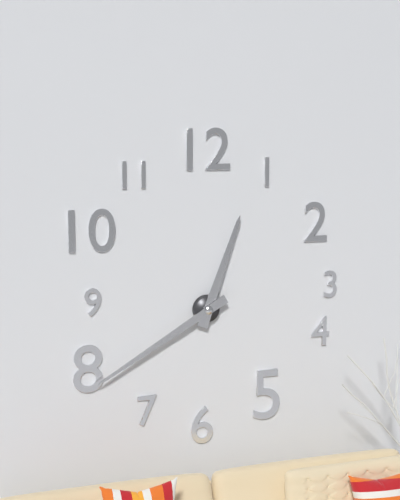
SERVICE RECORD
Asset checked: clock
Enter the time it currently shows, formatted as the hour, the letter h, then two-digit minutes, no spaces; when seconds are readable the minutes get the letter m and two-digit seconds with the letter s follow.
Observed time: 12h40
